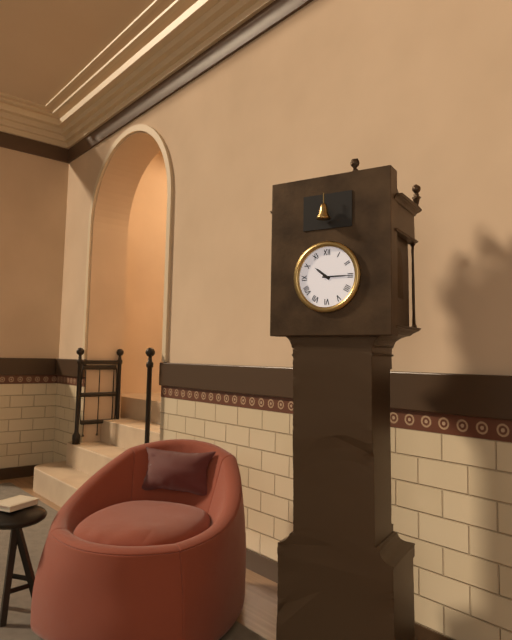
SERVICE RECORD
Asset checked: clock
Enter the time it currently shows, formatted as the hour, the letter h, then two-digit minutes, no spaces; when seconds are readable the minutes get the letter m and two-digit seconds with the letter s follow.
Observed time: 10h15
